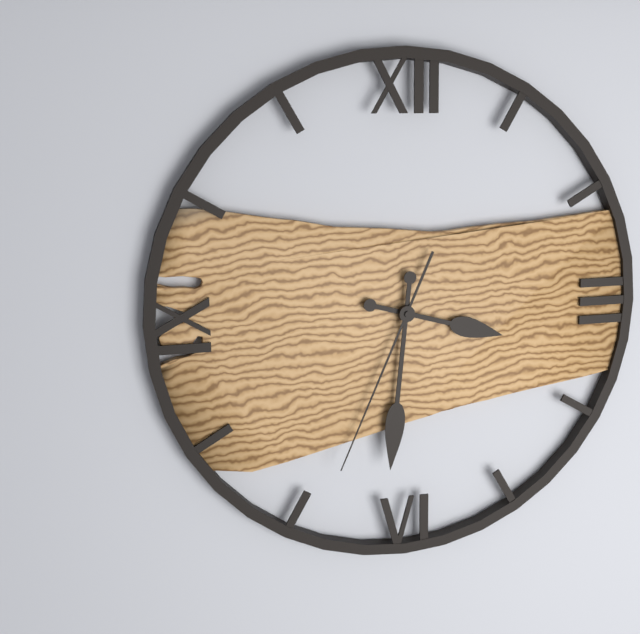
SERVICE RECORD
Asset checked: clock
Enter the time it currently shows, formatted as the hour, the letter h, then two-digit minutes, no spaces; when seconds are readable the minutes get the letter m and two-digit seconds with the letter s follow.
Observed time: 3h31m34s
